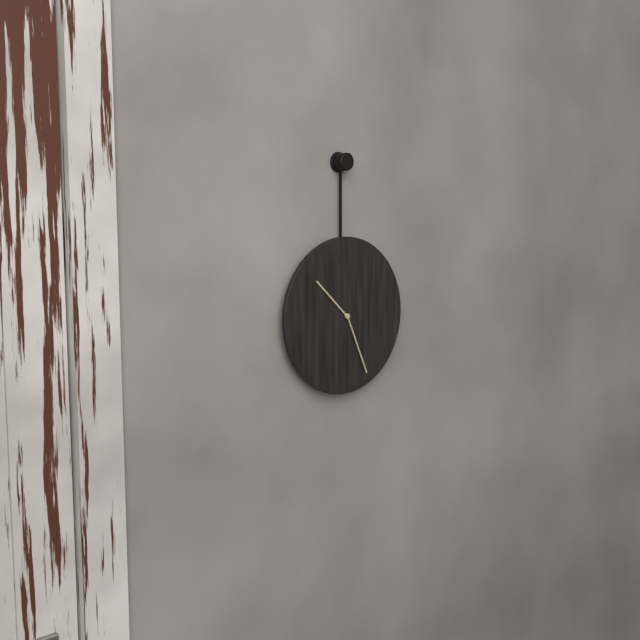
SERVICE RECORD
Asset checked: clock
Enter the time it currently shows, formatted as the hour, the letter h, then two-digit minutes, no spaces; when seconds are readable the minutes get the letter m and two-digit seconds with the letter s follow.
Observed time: 10h26
